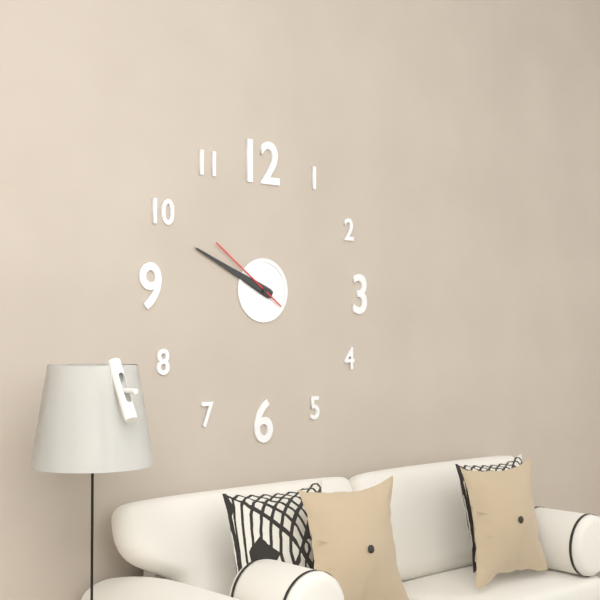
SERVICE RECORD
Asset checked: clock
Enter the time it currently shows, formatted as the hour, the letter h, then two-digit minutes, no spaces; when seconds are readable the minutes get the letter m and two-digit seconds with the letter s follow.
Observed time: 9h49m51s
